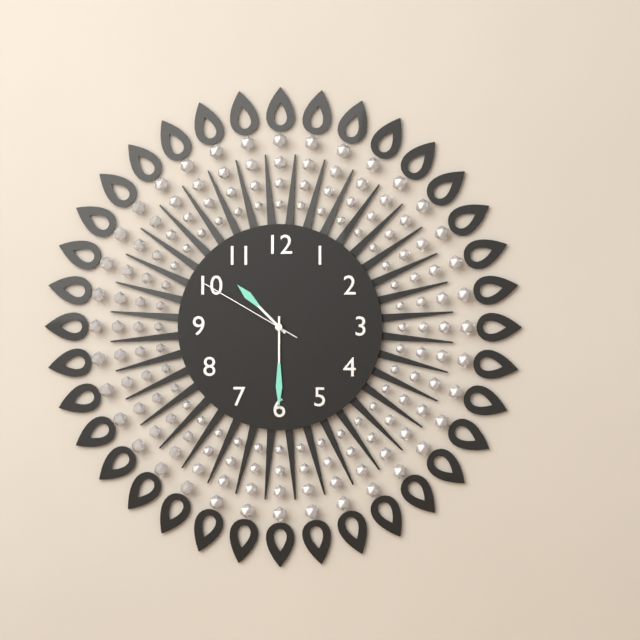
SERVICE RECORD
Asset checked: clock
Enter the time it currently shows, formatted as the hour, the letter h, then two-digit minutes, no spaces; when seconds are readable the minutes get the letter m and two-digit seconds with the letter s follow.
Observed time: 10h30m50s
